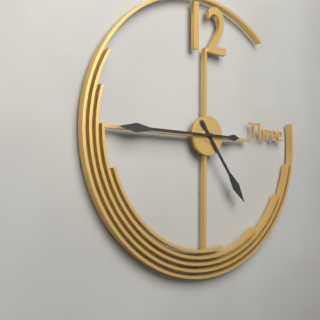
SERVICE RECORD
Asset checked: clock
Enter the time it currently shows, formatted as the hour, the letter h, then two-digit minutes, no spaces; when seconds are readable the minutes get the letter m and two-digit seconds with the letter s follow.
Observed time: 4h45
